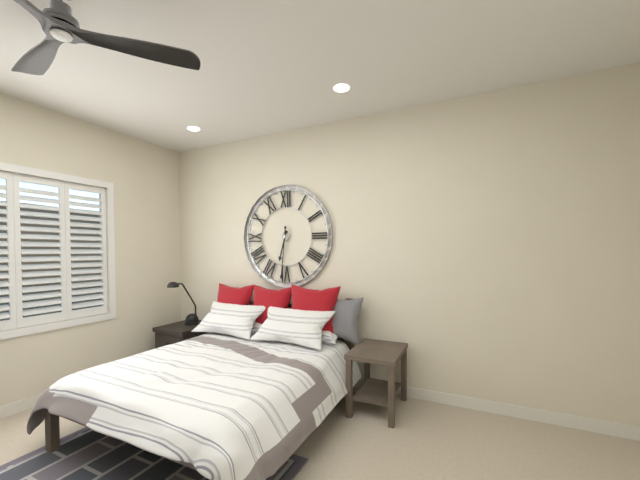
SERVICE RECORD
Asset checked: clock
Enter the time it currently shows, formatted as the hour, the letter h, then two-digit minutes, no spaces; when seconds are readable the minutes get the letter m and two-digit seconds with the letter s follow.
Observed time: 6h31
